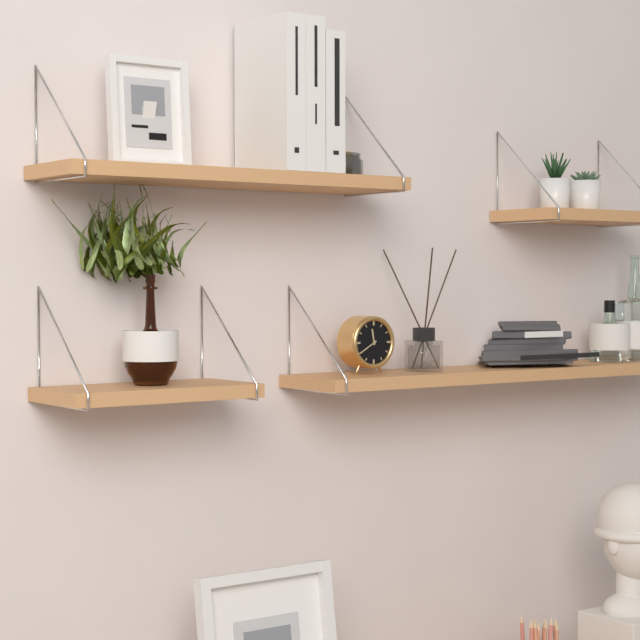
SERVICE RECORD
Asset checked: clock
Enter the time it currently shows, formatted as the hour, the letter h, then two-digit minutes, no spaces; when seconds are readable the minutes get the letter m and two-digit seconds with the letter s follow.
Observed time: 11h40
